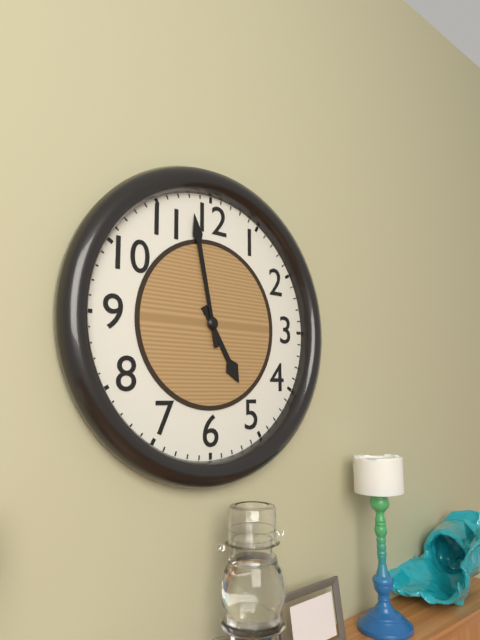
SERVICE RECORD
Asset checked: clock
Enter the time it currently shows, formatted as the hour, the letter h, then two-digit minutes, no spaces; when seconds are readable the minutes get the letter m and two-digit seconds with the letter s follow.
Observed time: 4h58
